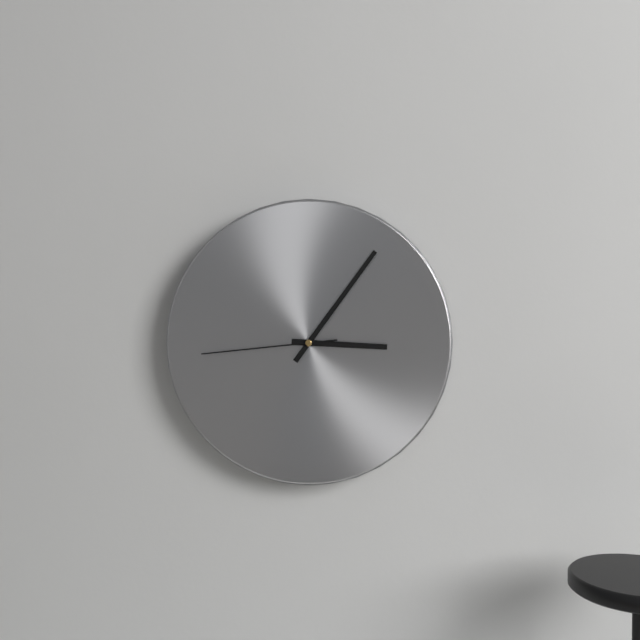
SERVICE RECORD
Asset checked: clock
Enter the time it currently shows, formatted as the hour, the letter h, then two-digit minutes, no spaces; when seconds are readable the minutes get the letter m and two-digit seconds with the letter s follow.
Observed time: 3h06m44s
